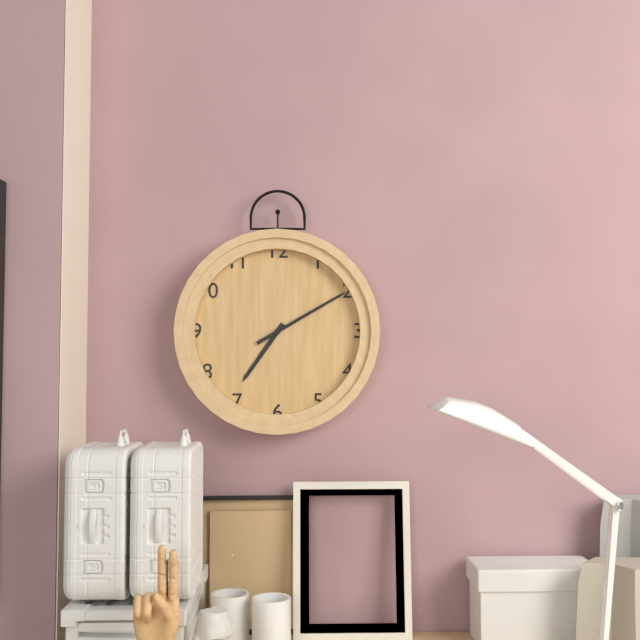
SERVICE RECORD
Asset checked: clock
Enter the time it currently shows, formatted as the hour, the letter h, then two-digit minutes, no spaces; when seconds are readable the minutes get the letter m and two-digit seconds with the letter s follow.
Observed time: 7h10
